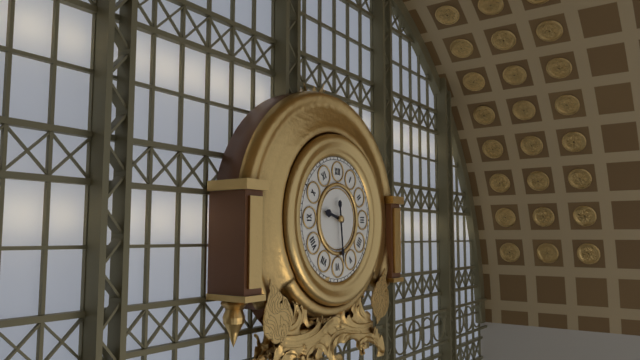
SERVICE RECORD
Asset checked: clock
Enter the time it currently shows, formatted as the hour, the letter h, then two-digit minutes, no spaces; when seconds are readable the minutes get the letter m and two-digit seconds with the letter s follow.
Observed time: 9h29
